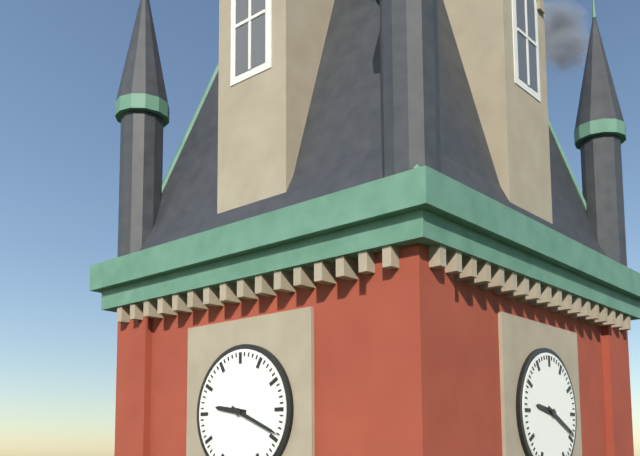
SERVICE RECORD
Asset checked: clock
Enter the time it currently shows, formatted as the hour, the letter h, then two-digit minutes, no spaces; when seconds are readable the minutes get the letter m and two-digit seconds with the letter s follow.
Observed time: 9h19
